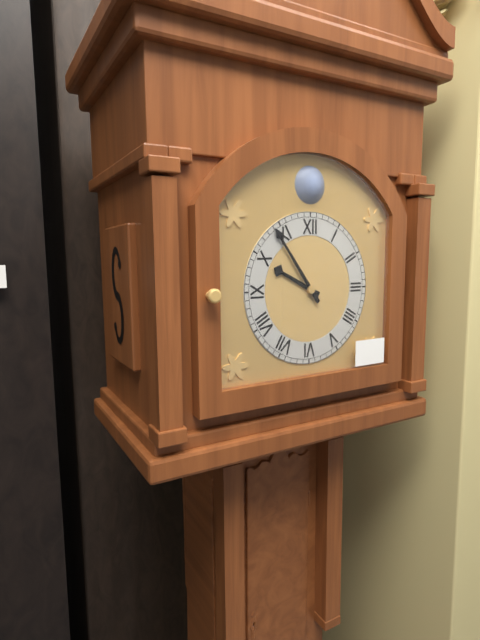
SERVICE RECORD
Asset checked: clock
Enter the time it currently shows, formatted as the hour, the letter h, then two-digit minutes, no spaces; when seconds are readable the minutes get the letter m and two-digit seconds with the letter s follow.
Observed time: 9h54
